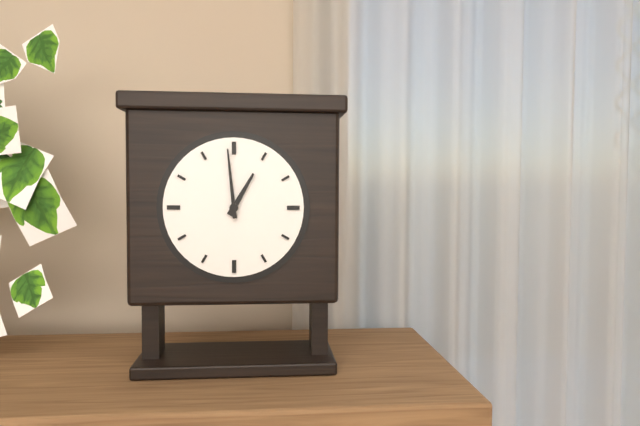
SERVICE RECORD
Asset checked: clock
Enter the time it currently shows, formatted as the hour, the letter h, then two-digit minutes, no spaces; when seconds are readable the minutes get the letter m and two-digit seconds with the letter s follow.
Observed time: 12h59
